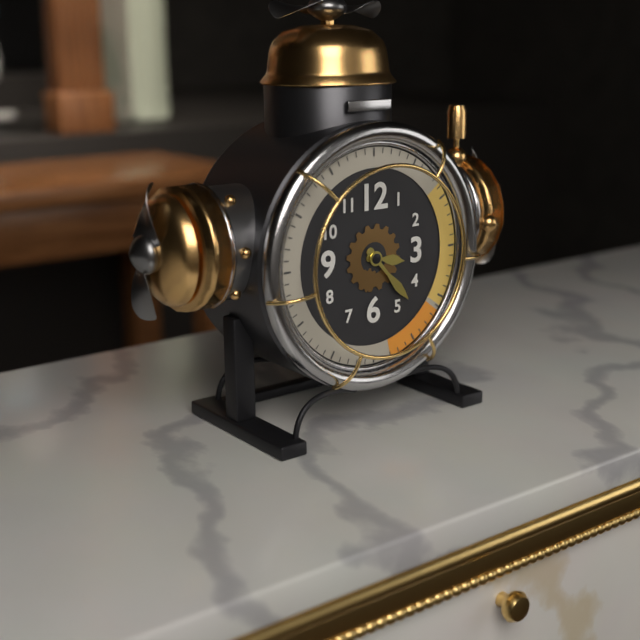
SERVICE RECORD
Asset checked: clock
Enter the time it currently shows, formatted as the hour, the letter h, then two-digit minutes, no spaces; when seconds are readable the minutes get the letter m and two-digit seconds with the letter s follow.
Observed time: 3h23
